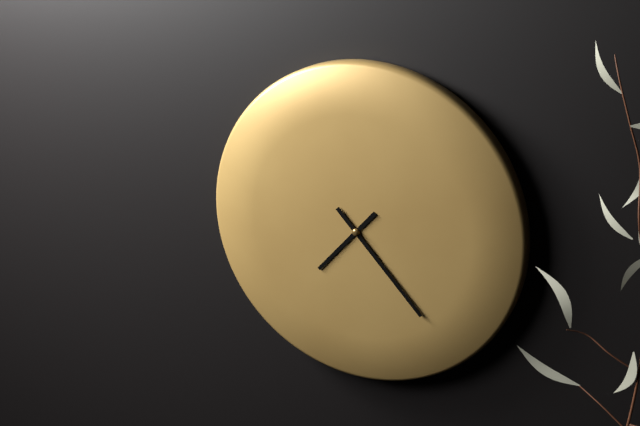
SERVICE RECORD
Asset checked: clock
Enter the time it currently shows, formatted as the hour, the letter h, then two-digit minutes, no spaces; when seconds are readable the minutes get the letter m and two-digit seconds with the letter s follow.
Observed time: 7h23
